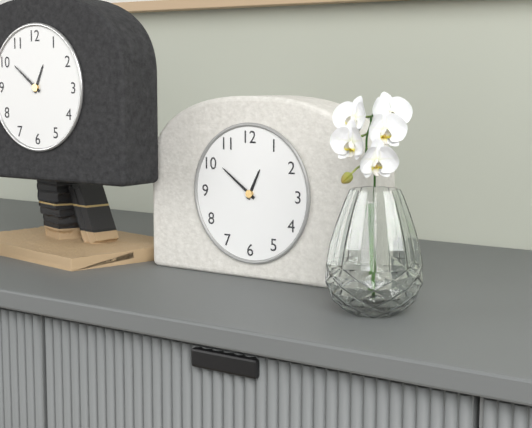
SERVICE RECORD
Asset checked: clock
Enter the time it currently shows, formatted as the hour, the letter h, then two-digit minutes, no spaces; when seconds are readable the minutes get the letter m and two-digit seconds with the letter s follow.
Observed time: 12h51
